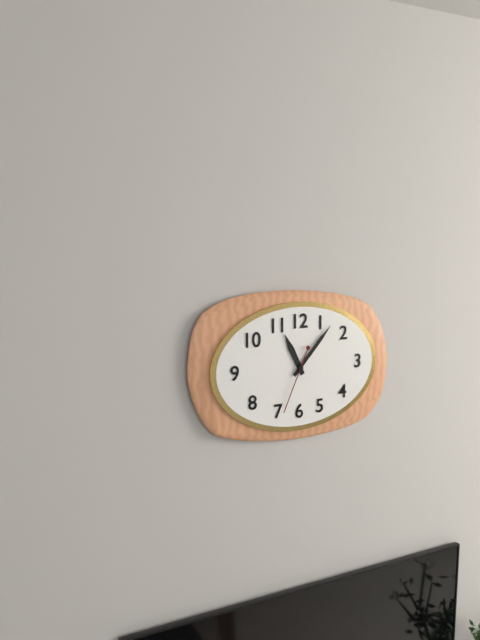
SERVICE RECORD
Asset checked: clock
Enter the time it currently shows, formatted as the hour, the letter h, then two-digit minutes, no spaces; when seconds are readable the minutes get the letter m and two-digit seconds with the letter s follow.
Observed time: 11h07m34s
